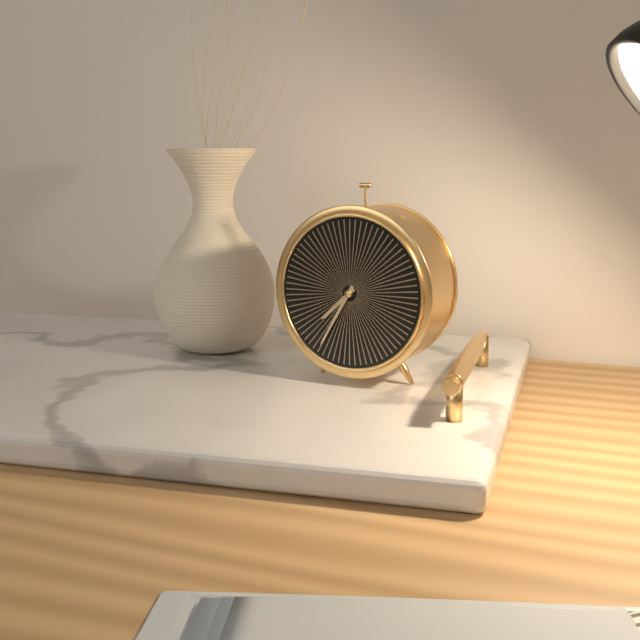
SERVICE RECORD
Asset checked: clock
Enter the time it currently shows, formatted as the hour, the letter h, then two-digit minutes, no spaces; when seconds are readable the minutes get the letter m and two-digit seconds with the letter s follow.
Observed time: 7h35
